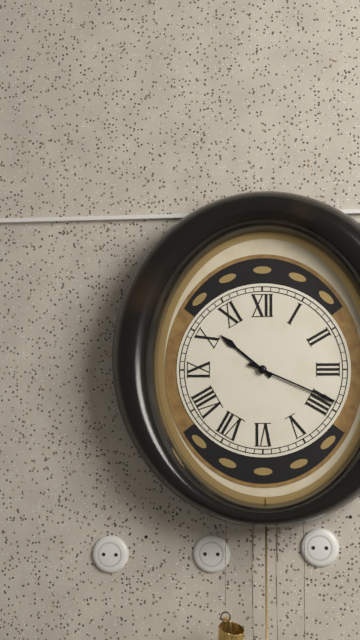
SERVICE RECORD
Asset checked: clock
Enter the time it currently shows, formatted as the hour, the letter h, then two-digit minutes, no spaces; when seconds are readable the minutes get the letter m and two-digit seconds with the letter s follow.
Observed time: 10h19
